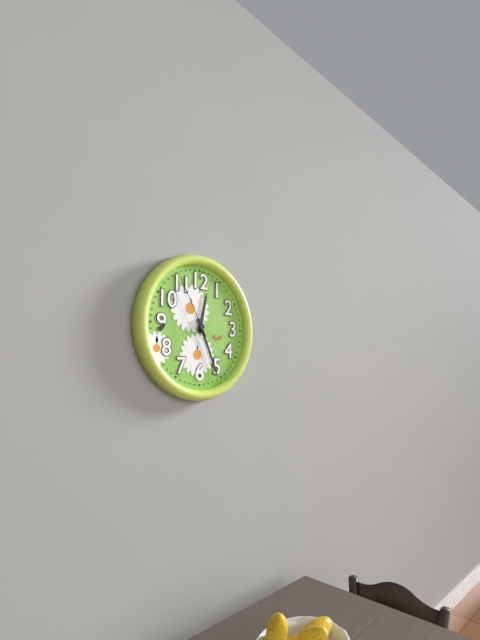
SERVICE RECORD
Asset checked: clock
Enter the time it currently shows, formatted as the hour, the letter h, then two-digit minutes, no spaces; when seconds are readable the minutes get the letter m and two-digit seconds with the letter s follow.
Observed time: 12h26m55s
